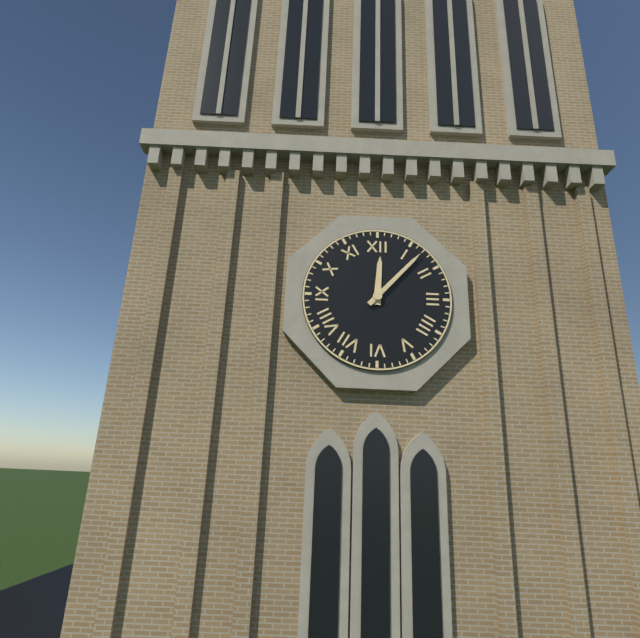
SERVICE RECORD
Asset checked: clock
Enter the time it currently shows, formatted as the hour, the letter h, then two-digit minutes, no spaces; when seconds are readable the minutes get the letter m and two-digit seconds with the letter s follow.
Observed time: 12h07
